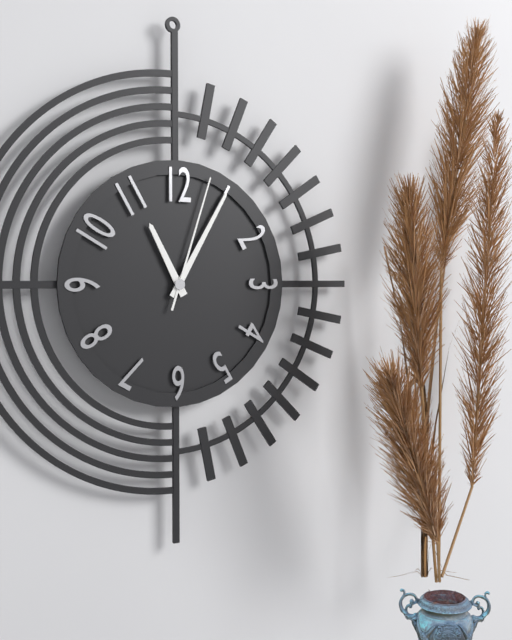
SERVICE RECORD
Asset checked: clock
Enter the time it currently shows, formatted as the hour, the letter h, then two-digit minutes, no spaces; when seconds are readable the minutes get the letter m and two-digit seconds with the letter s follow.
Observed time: 11h05m03s
